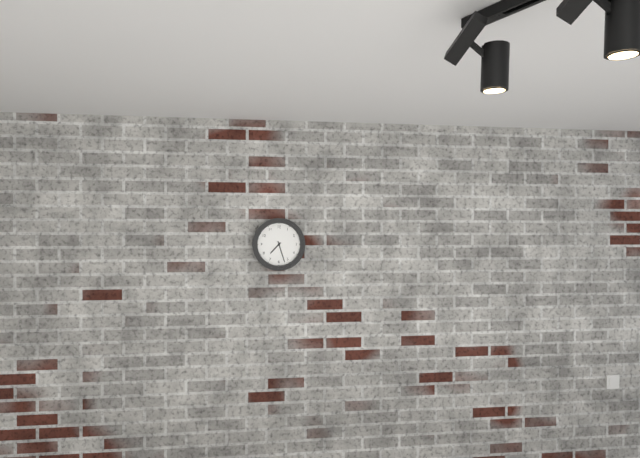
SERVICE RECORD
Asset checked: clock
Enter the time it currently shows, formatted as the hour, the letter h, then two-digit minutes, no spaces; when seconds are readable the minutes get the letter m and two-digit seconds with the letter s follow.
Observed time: 7h27
